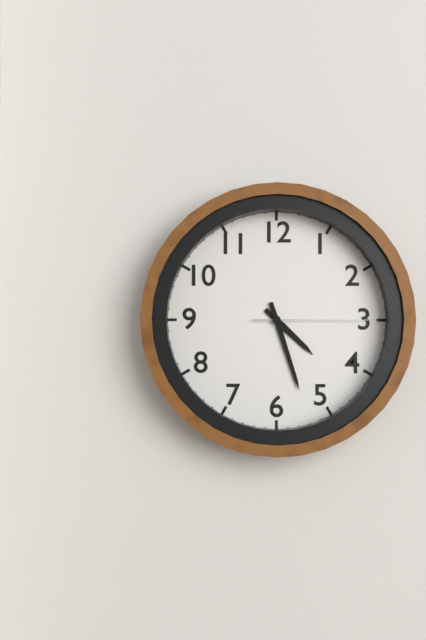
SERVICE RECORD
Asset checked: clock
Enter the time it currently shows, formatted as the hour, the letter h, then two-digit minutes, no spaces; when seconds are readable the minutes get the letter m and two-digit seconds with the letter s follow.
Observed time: 4h27m15s
